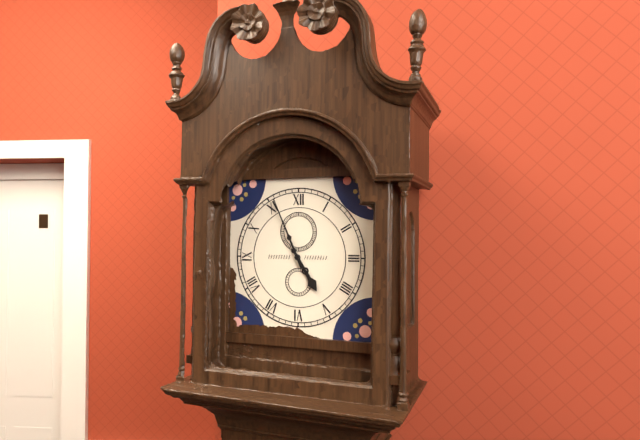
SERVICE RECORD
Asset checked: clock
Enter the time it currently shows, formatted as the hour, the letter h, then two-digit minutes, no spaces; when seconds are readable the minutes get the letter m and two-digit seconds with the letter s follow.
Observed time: 4h56
